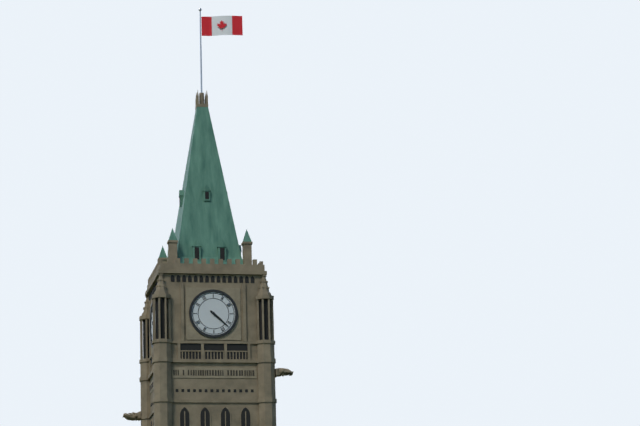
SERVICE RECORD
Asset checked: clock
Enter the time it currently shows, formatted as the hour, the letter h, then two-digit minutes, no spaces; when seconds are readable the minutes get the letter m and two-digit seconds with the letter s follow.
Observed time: 4h22
